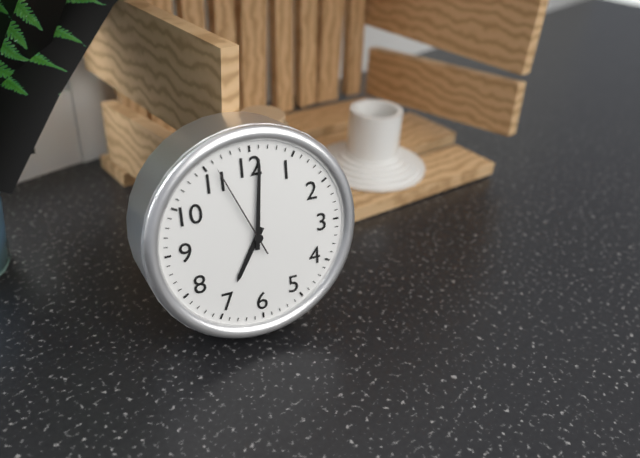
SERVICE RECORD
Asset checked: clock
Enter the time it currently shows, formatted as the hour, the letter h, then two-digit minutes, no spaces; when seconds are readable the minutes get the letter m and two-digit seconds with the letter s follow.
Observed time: 7h01m56s
